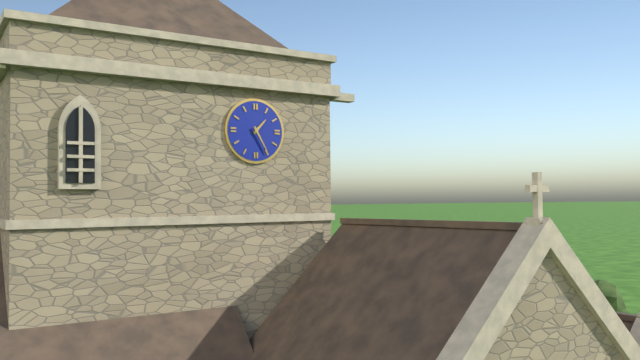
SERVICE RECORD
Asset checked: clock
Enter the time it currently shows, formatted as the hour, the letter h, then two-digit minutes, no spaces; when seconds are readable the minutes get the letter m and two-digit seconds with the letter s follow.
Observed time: 1h25
